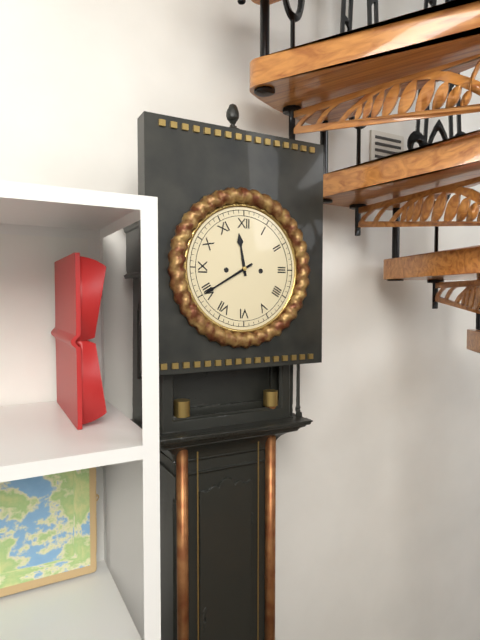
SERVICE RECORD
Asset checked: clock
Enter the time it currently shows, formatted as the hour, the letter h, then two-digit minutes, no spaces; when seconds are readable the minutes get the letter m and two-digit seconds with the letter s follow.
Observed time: 11h40
